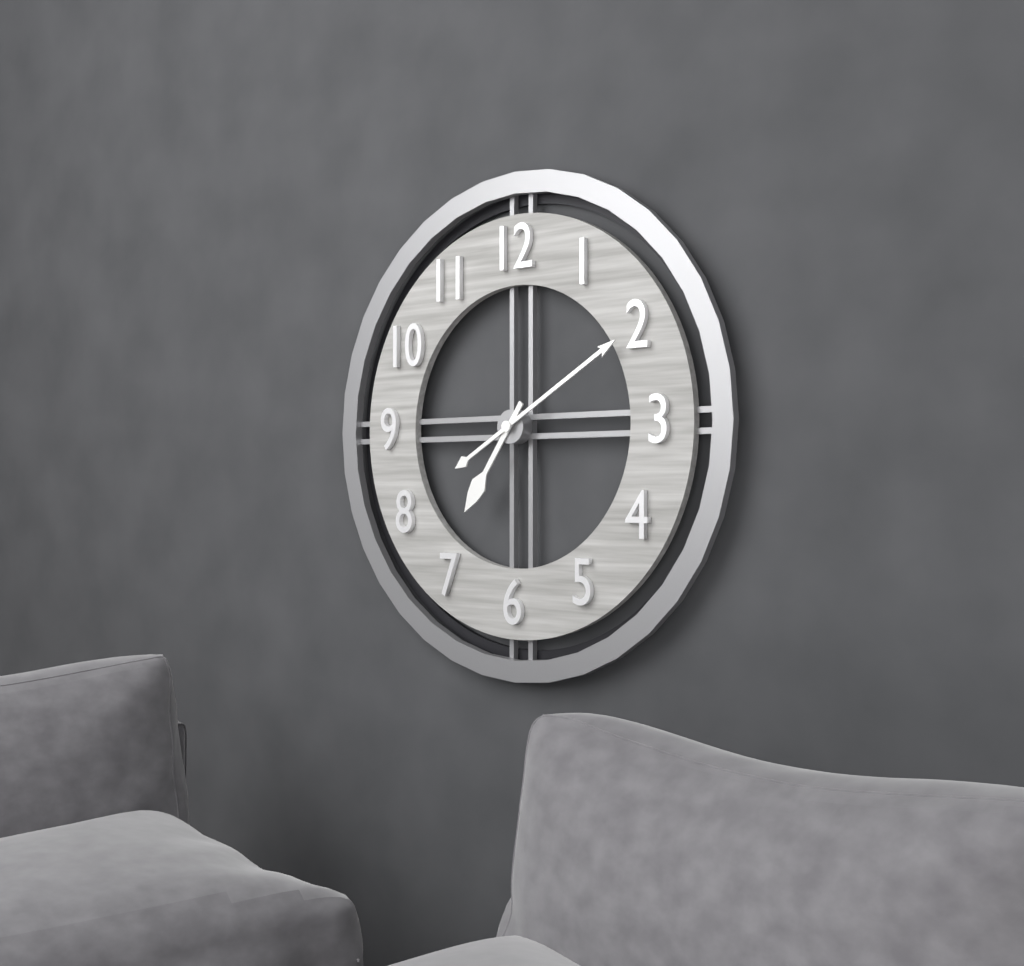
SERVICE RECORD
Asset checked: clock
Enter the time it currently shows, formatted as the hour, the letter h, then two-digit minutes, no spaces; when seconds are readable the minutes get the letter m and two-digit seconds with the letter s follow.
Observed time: 7h10
